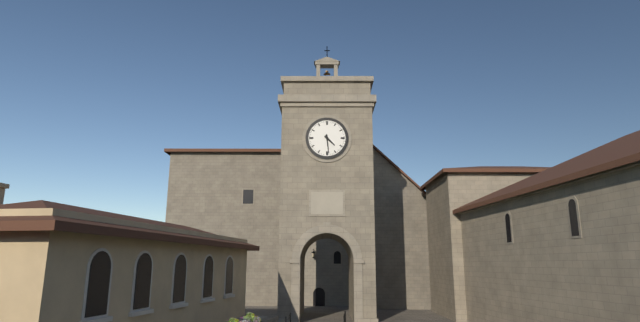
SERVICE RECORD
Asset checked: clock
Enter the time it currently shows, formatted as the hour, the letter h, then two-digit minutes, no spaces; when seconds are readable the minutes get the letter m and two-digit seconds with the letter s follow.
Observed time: 4h29
